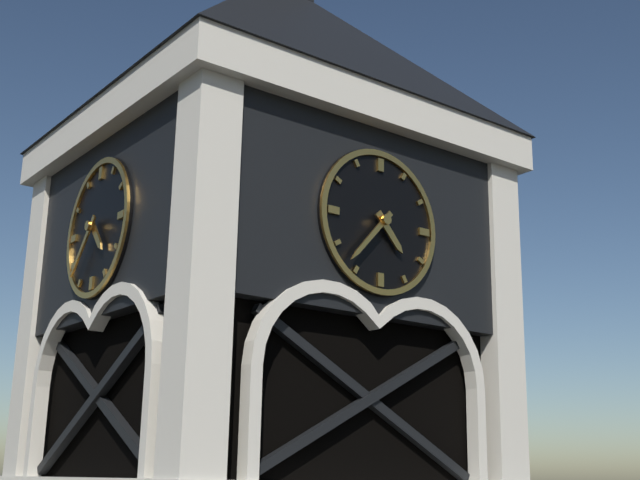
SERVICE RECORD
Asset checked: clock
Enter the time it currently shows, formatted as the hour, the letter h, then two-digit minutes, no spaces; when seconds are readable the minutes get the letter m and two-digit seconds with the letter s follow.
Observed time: 4h37
